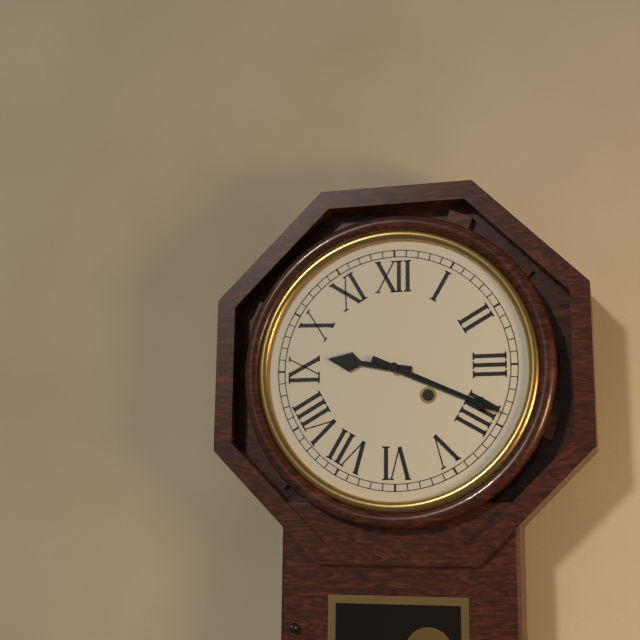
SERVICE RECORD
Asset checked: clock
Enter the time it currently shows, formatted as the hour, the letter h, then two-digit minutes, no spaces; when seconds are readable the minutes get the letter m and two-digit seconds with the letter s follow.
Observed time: 9h19
